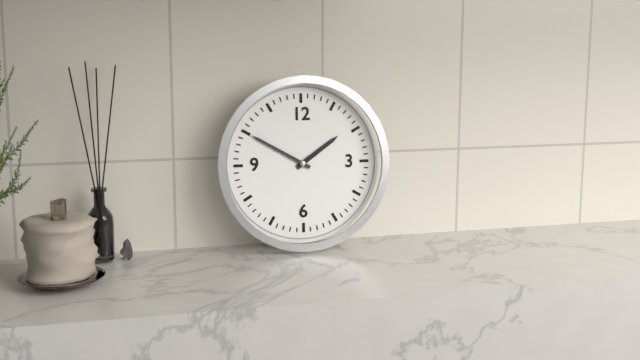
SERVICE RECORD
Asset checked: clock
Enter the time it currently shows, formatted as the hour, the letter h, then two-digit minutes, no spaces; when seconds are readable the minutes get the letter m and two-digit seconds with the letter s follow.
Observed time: 1h50
